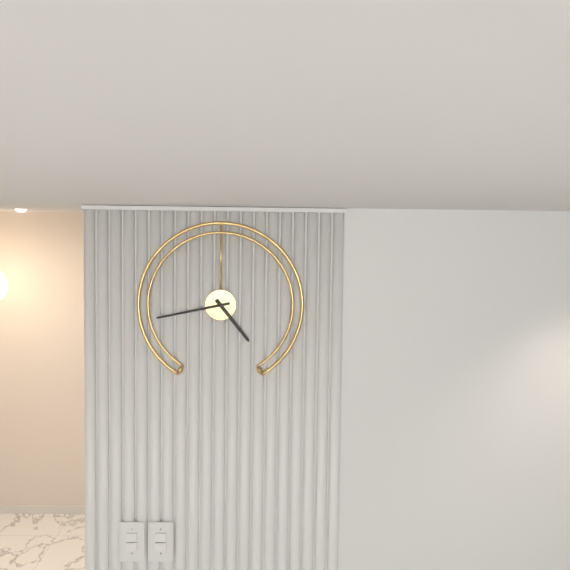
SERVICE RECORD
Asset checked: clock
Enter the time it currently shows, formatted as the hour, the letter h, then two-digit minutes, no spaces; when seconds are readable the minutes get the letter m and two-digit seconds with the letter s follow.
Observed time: 4h43
